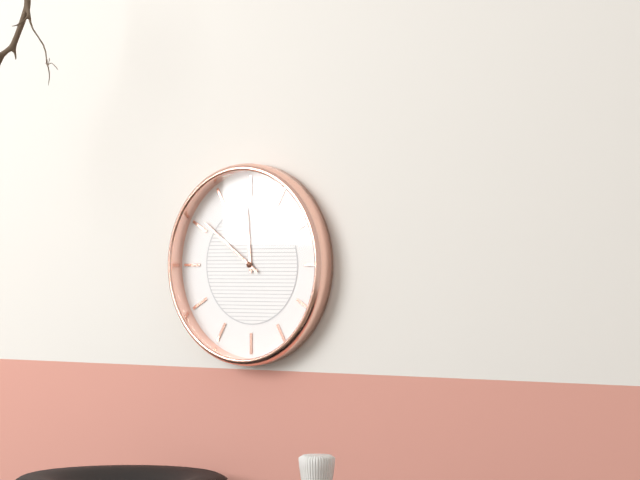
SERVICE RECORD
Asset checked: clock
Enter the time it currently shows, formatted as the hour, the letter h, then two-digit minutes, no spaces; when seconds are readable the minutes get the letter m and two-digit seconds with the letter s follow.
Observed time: 11h51
